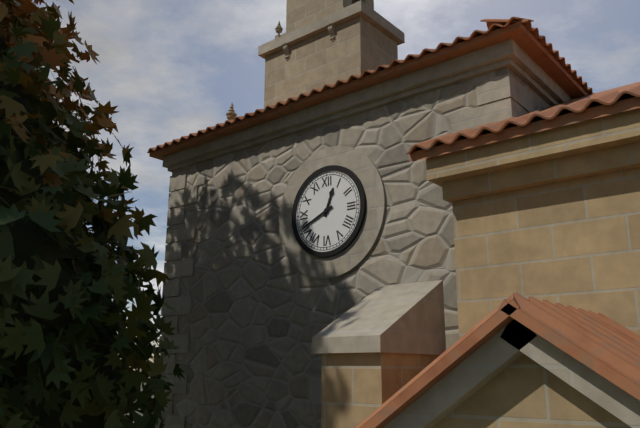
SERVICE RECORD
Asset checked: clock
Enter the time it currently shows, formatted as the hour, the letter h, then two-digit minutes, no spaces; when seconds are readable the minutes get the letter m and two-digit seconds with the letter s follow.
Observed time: 12h41
